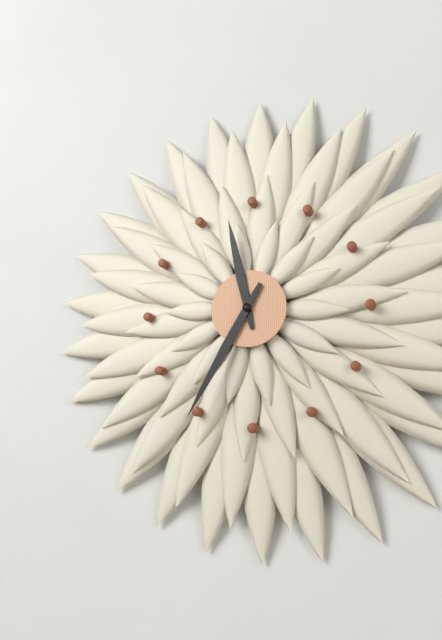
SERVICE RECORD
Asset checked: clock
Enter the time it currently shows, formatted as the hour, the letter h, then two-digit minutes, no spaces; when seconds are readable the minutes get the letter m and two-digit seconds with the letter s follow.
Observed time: 11h35
